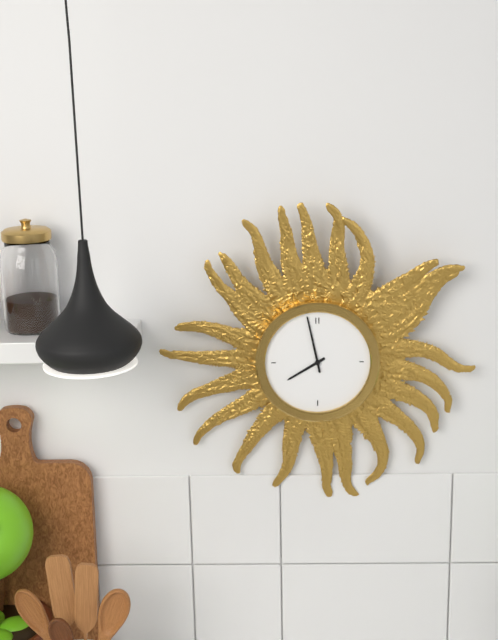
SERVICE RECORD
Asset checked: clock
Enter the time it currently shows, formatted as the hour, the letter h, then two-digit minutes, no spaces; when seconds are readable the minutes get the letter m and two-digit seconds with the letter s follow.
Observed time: 7h58
